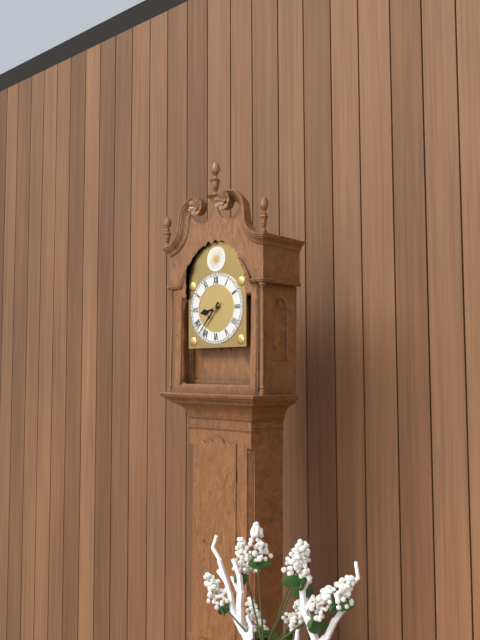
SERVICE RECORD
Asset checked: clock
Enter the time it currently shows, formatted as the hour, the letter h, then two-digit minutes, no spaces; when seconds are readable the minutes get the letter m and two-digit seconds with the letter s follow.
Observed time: 8h37
